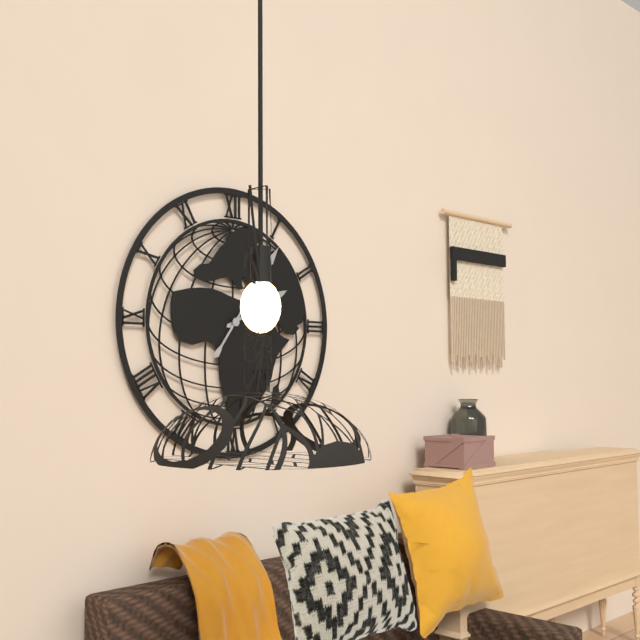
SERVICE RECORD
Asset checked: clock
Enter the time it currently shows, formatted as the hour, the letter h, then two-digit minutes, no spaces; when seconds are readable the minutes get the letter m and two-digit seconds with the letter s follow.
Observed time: 2h06
